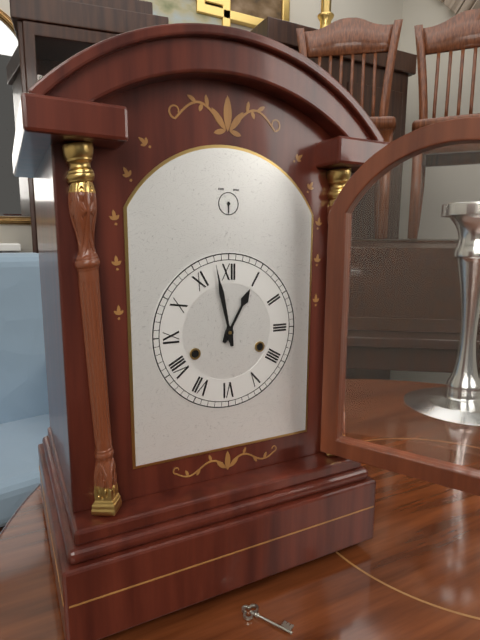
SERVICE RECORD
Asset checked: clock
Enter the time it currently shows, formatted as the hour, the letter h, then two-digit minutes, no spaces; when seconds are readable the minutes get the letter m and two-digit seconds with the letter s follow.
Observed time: 12h58
